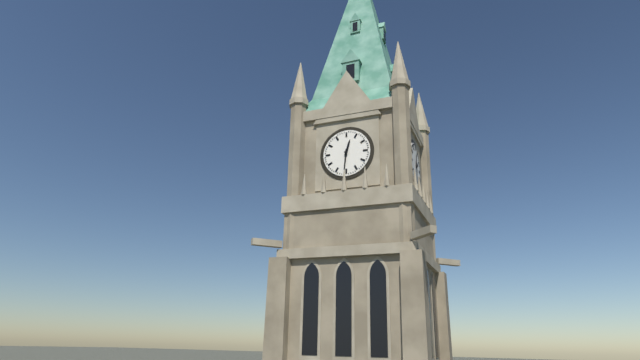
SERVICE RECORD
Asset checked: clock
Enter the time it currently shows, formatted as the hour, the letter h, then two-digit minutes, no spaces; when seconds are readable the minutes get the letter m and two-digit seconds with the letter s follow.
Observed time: 12h31
